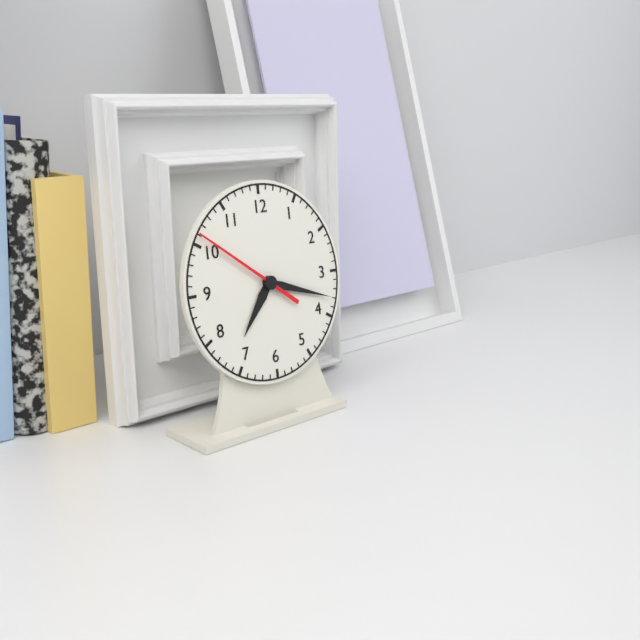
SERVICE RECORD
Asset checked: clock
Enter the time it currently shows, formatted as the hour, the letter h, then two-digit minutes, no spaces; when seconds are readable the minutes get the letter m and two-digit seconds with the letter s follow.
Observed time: 7h18m51s
